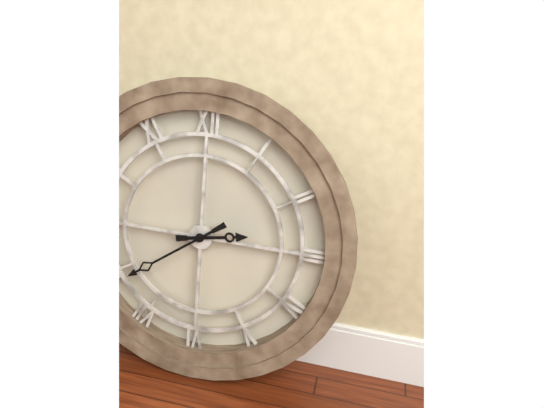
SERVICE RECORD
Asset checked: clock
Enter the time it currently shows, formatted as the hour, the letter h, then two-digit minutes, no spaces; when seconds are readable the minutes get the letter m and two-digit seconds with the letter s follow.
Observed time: 2h39
